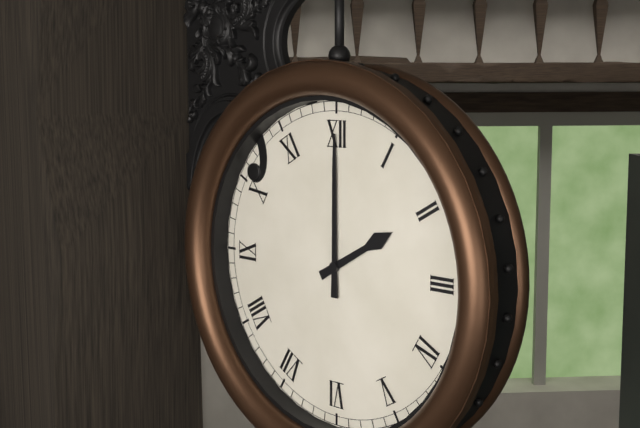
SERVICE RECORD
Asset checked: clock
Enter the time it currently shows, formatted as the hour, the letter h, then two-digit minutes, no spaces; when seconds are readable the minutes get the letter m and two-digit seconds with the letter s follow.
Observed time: 2h00
